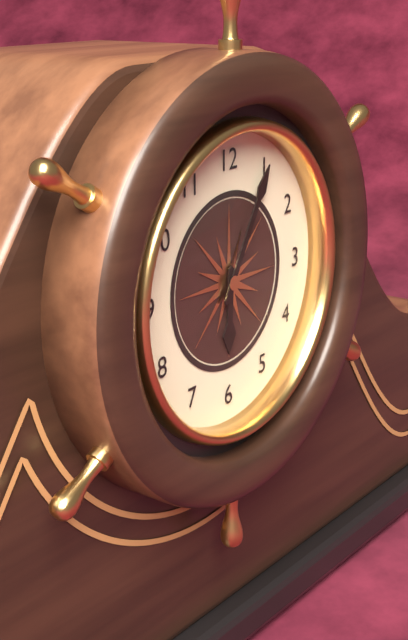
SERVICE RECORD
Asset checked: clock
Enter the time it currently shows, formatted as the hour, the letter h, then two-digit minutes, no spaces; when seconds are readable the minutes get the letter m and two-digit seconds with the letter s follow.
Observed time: 6h05
